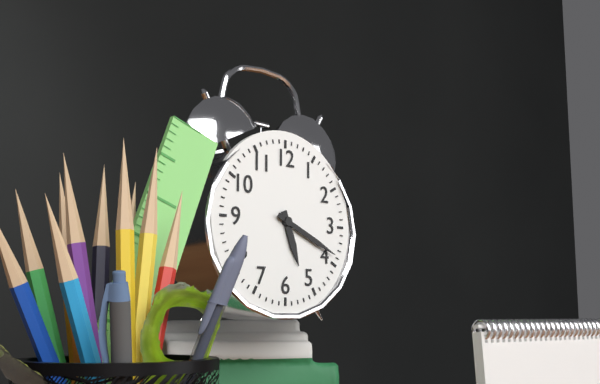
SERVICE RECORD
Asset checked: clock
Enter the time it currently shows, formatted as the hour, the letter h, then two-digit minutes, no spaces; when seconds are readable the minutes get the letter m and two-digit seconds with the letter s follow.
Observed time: 5h19
